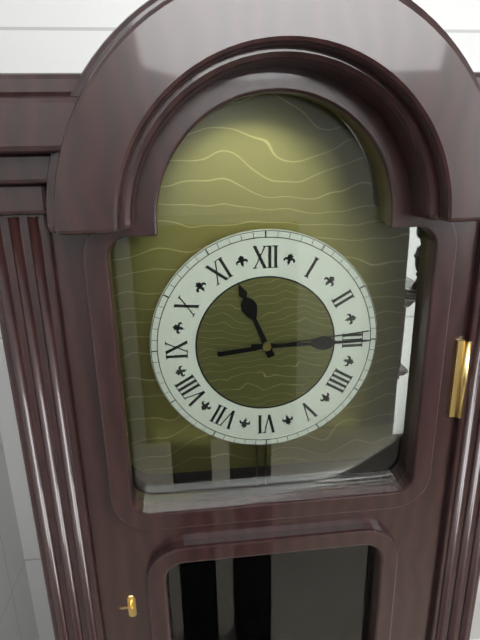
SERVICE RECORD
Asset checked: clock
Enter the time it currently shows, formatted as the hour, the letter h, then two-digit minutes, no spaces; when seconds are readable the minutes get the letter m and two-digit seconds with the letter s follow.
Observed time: 11h15m14s
